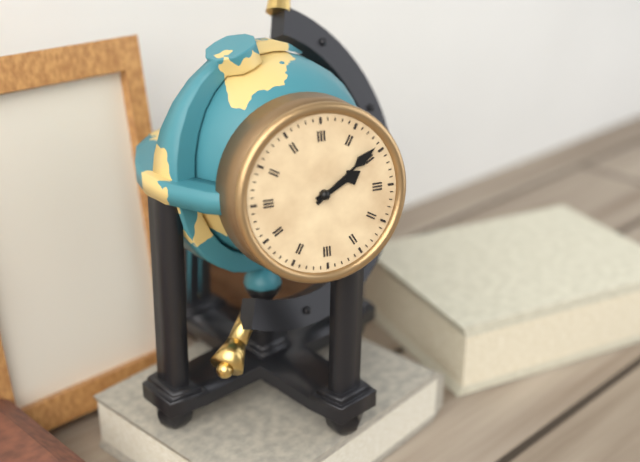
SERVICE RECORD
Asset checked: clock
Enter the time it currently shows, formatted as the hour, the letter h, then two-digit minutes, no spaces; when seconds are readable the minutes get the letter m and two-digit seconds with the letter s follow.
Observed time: 2h09
